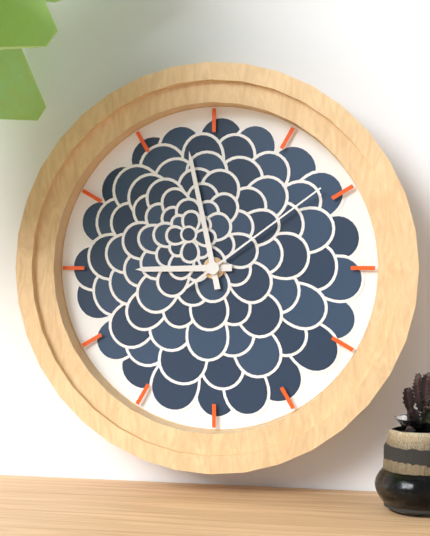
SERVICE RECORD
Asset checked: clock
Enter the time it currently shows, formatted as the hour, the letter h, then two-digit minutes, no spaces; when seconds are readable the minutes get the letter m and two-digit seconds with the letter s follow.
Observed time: 8h58m09s
